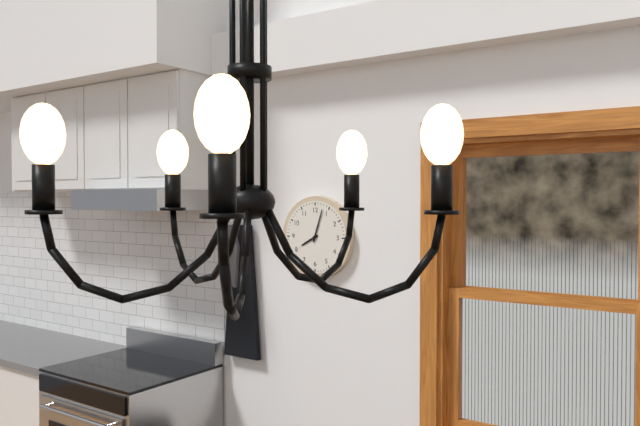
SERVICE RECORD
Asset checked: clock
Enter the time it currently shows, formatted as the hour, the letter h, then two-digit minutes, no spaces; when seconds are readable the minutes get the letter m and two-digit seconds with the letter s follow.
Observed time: 8h03
